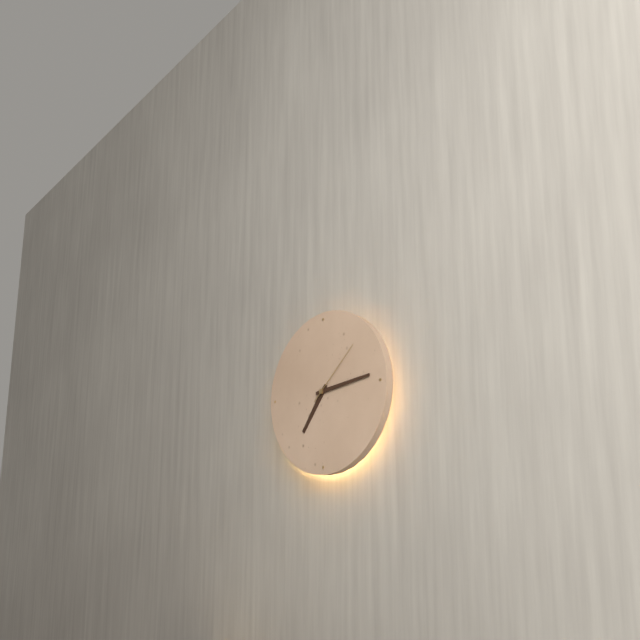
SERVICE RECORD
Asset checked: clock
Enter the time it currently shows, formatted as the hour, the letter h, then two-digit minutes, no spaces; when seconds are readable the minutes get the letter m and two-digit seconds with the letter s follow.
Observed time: 7h14m08s
